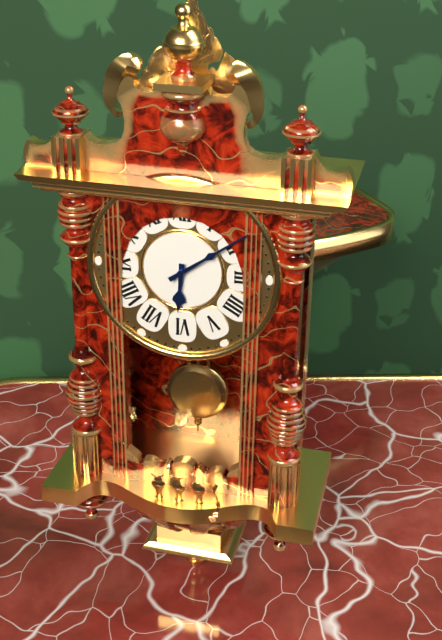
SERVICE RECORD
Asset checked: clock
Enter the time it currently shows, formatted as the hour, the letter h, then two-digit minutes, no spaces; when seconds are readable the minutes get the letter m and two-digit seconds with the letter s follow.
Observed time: 6h09
